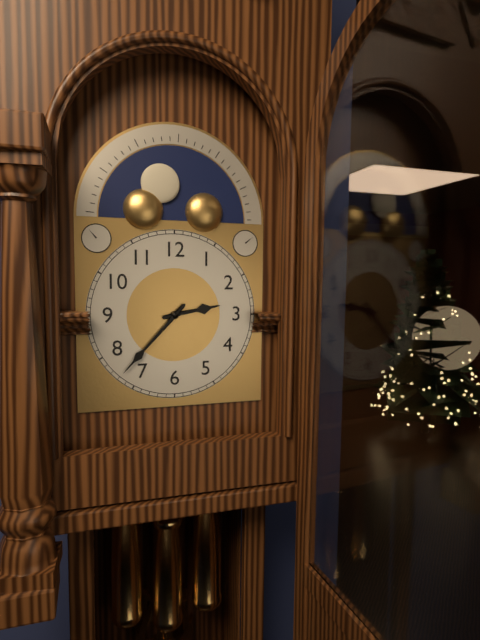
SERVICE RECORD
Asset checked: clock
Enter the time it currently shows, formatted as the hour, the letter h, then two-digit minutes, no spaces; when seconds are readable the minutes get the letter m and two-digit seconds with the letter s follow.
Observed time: 2h37
